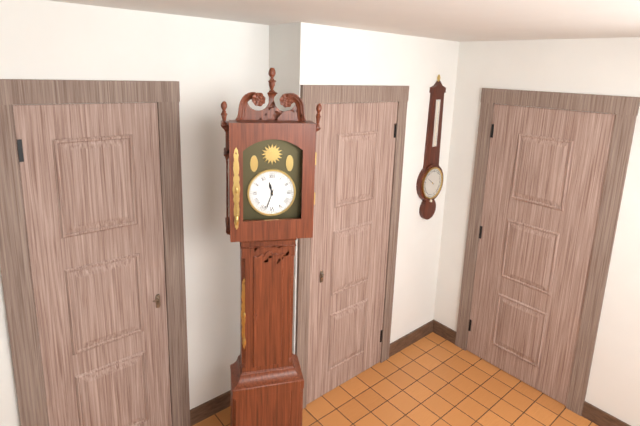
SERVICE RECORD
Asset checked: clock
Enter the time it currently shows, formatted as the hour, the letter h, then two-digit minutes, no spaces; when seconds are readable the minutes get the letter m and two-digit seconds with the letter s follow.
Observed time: 11h33
